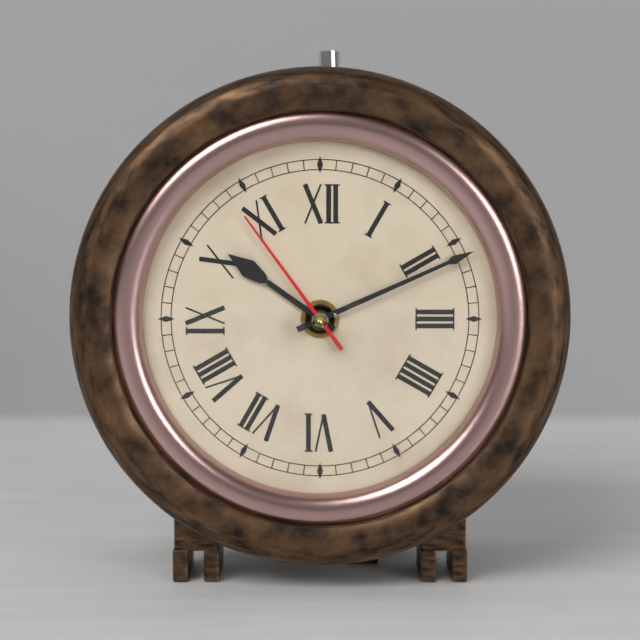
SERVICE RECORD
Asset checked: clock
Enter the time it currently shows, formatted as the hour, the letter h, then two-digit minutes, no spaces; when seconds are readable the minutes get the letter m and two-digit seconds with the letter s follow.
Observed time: 10h11m54s
